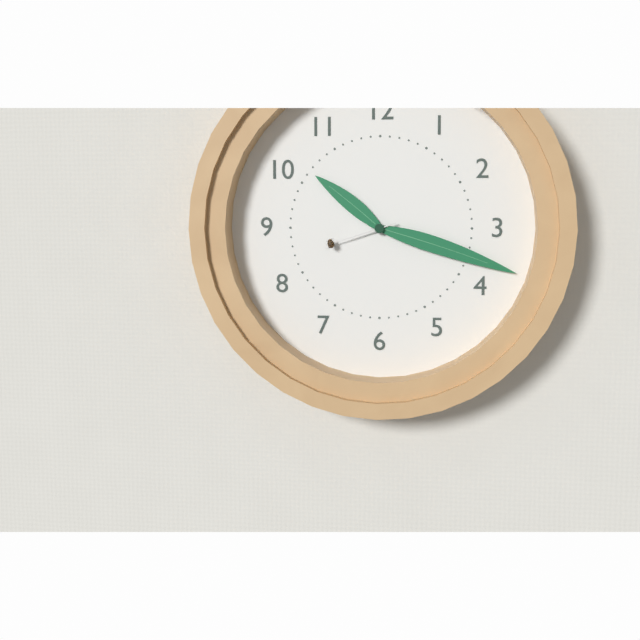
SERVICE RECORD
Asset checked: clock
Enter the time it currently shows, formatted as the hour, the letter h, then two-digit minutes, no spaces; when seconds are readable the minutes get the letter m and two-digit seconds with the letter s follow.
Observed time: 10h18m42s
